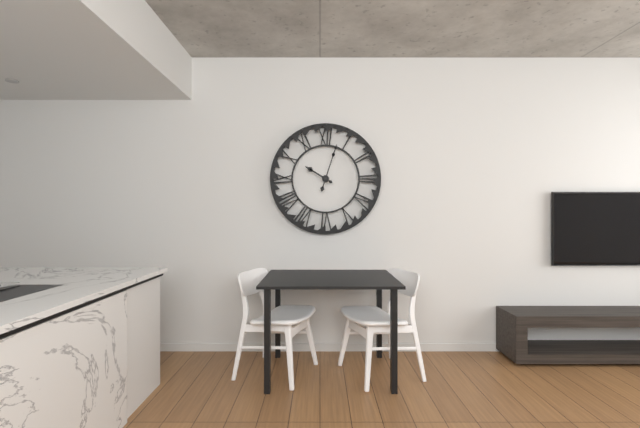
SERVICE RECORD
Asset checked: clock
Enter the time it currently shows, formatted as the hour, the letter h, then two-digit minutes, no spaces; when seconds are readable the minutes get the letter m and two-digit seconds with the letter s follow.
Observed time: 10h03
